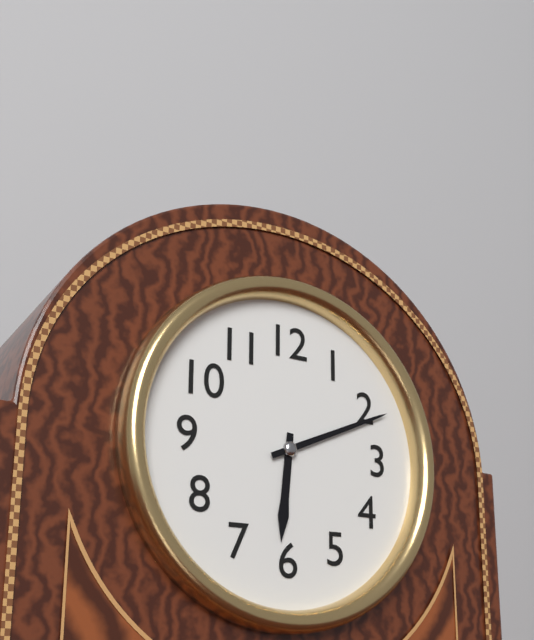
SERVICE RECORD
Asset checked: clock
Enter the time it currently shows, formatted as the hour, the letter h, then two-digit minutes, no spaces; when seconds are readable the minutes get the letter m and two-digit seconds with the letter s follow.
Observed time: 6h11
